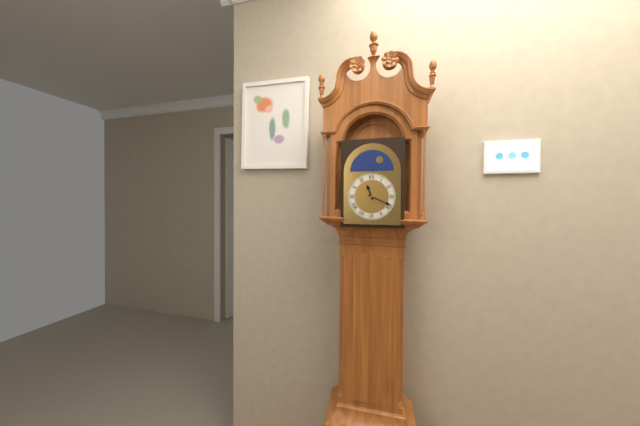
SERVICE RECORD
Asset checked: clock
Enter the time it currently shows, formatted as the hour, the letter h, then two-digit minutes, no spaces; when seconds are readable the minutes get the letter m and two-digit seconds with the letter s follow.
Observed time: 11h19
